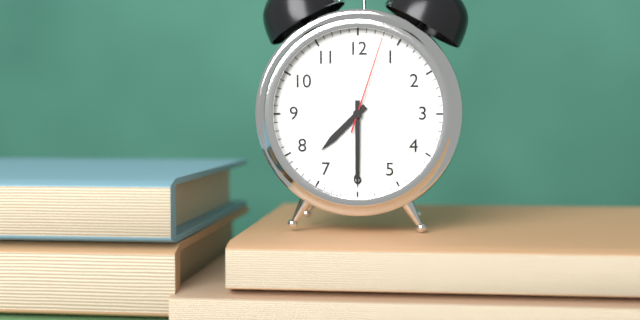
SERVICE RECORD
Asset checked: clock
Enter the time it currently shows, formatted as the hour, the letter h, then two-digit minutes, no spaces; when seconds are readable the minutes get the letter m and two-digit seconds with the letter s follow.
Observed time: 7h30m03s
